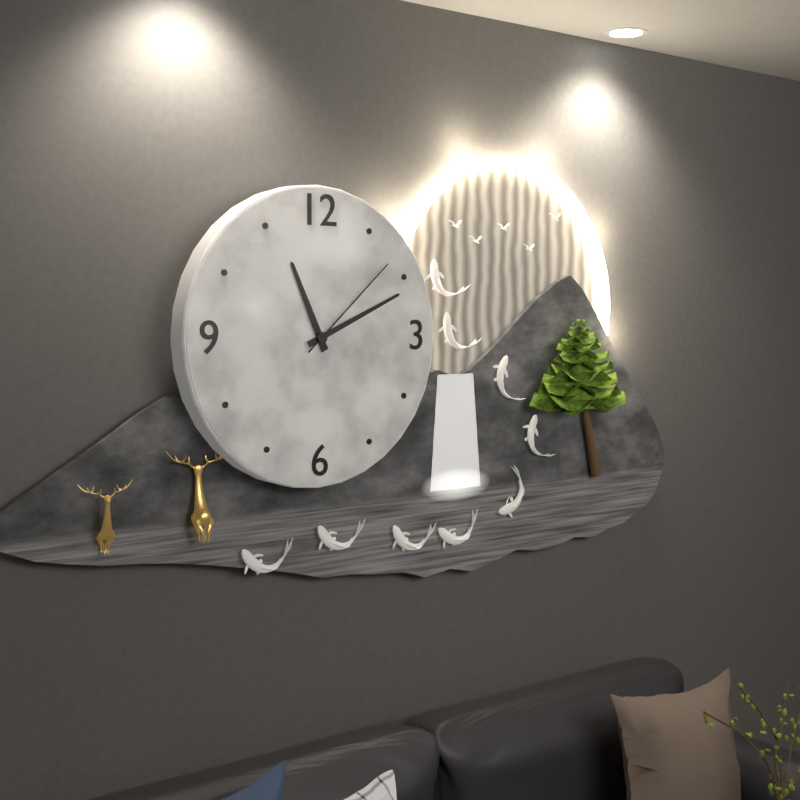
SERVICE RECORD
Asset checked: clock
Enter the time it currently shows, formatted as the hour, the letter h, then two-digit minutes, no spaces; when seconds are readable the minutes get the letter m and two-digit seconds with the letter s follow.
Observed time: 11h11m08s
